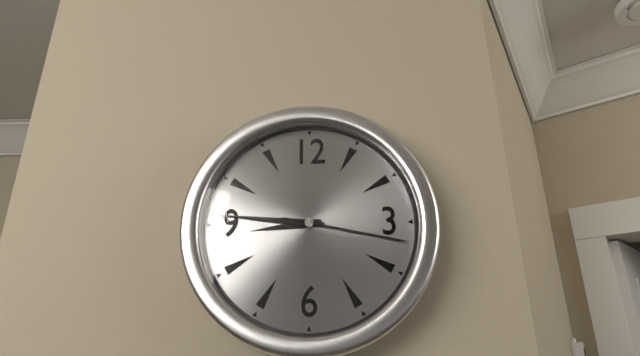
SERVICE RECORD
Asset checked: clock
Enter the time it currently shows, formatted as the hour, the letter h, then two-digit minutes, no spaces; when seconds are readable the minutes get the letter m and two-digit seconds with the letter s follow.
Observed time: 8h46m17s
